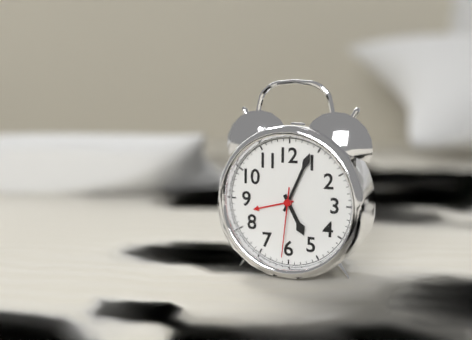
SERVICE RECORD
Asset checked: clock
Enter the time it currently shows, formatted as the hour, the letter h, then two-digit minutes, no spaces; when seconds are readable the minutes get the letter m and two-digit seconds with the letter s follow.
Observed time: 5h04m31s
